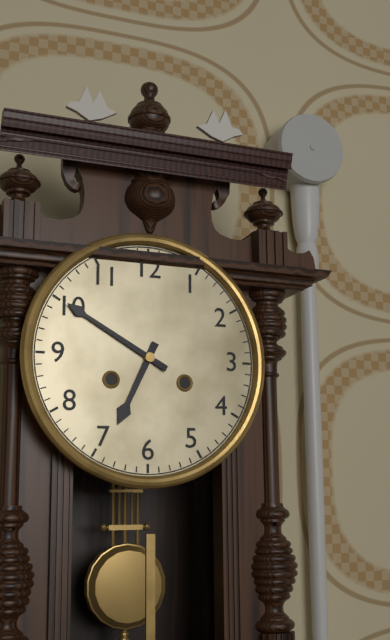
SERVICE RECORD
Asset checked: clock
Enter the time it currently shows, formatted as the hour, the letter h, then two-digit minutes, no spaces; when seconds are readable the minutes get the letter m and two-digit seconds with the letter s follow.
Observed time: 6h50
